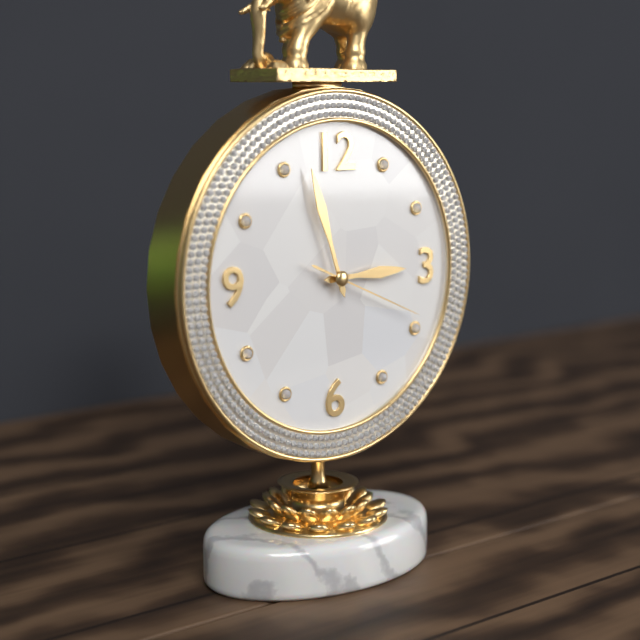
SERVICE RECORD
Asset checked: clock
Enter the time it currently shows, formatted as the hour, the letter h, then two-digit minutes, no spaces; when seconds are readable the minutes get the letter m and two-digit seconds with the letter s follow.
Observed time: 2h57m19s
